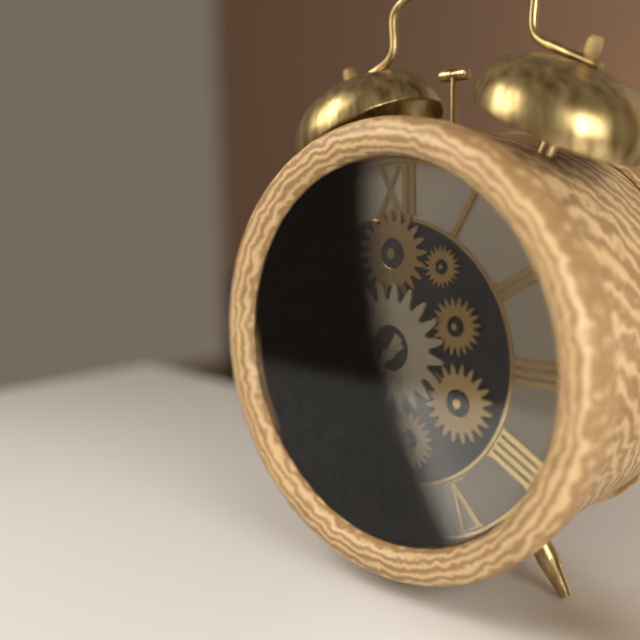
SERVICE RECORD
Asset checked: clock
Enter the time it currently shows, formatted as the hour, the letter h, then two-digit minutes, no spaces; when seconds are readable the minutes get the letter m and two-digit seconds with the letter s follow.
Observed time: 7h36
